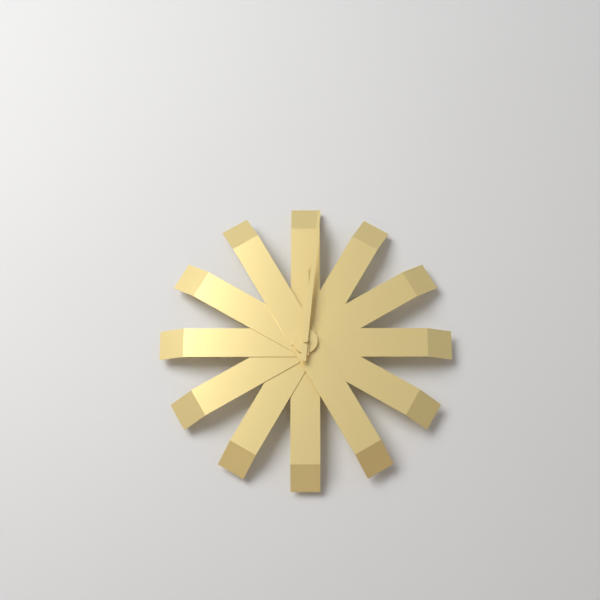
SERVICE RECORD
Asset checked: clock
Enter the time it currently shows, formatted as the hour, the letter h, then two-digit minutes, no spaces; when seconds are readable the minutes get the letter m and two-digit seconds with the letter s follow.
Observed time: 12h01
